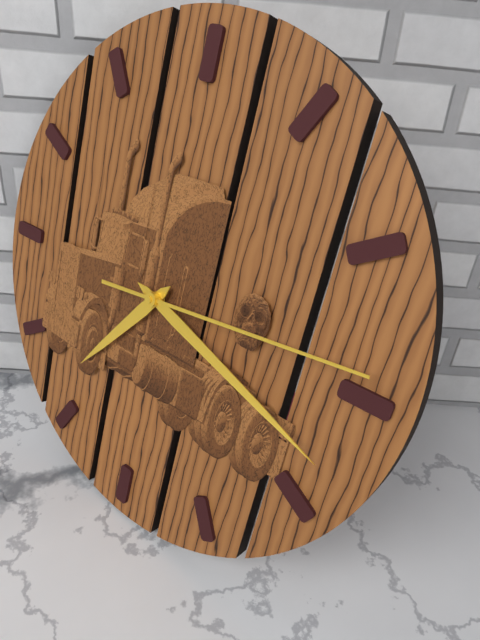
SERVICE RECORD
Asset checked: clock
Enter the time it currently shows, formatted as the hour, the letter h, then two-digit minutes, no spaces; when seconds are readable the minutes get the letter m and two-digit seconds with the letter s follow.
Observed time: 7h18m14s
